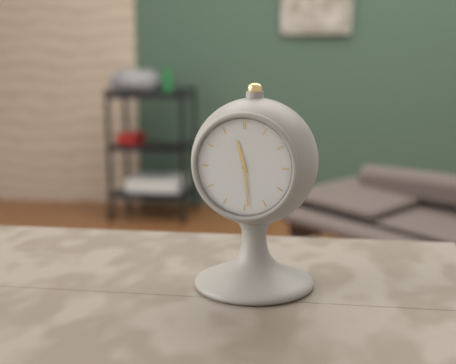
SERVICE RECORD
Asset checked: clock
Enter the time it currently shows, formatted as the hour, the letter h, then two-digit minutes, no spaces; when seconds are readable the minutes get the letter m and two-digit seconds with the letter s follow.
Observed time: 11h29
